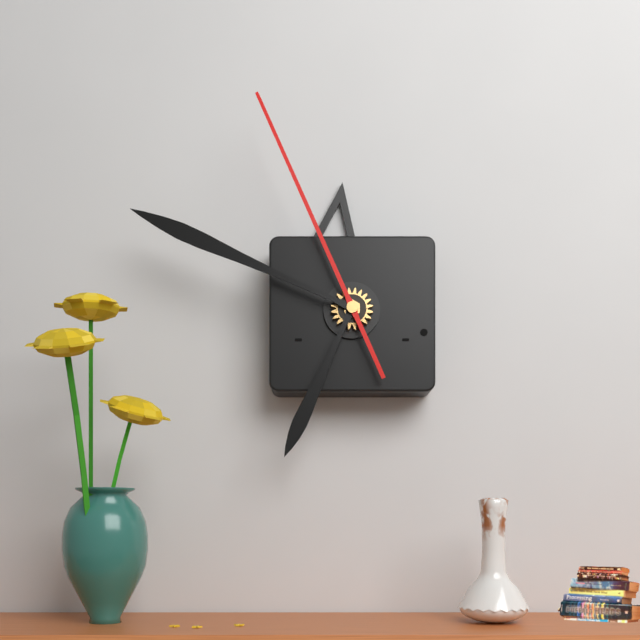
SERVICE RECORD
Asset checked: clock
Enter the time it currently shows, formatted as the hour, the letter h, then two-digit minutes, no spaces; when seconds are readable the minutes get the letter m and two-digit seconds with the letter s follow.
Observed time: 6h49m56s
